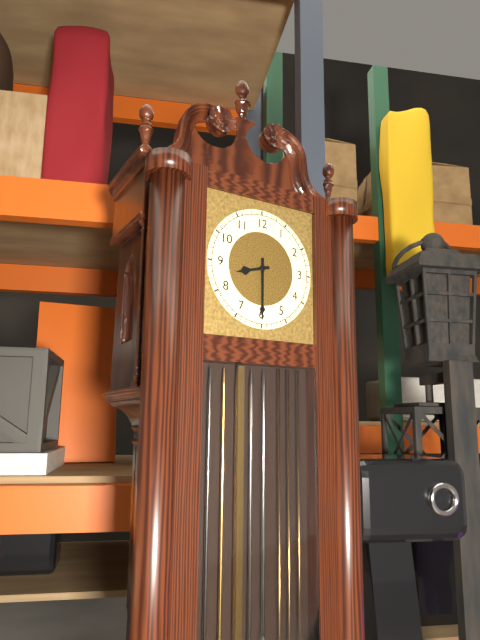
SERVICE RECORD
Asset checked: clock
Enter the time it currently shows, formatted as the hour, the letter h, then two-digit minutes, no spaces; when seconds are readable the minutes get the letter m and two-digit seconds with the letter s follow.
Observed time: 8h30
